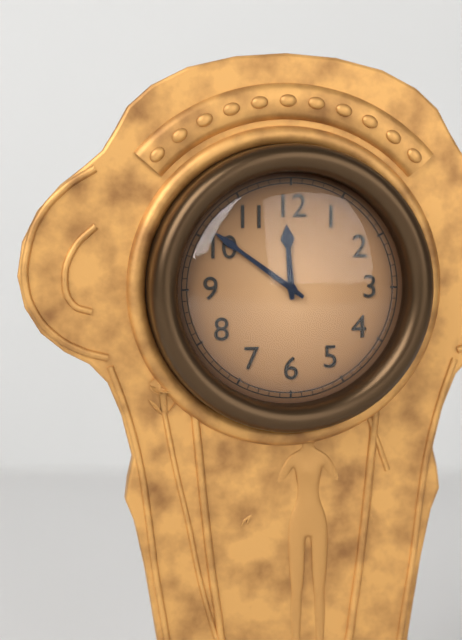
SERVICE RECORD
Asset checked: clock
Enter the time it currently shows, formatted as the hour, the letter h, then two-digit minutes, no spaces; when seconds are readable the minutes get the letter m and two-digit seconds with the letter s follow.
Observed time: 11h51
